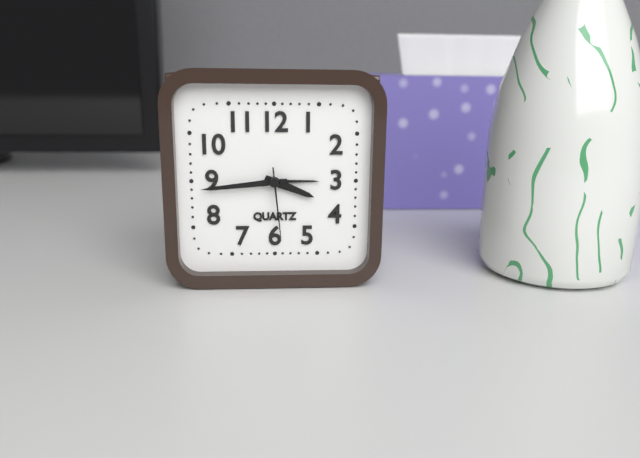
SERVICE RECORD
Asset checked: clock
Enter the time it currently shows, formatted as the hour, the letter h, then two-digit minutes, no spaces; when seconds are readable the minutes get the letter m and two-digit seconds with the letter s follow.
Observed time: 3h44m29s
